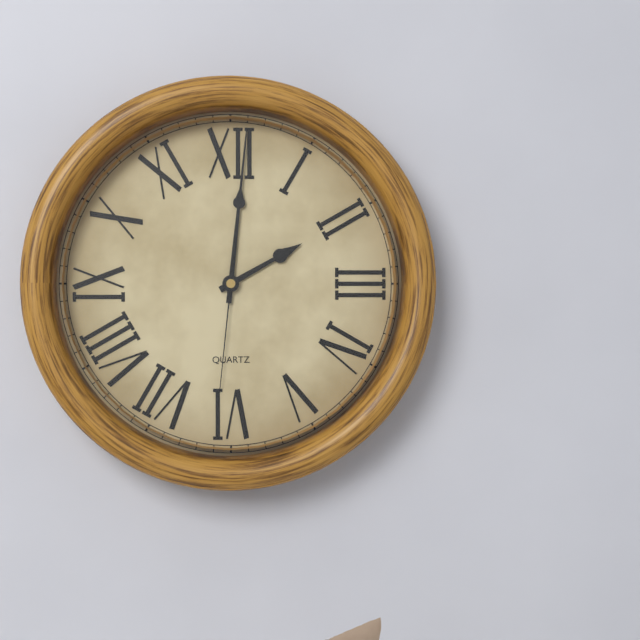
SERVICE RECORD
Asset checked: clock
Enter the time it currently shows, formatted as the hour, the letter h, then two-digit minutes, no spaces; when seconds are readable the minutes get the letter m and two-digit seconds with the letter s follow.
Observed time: 2h01m31s
